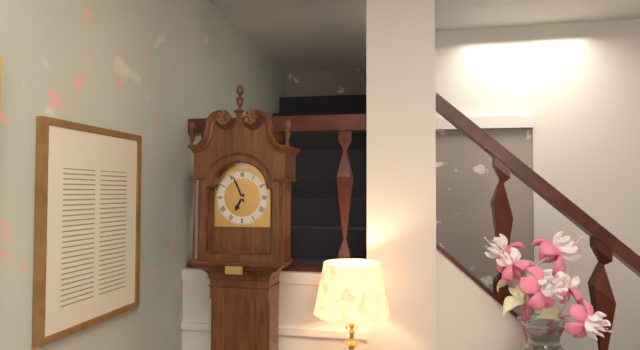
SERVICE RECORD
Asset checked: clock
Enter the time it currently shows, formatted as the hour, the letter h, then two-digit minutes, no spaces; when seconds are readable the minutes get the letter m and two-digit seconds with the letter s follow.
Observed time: 6h56
